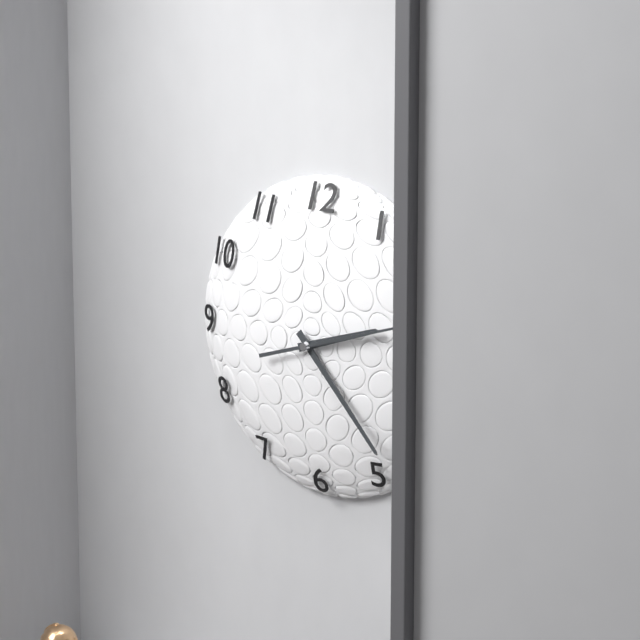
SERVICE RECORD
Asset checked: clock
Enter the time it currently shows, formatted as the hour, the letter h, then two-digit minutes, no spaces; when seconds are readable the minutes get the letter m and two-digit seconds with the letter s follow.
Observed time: 2h23m12s
